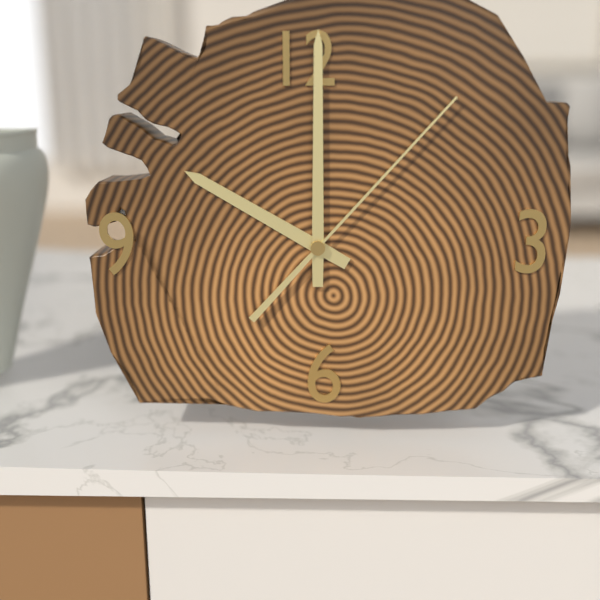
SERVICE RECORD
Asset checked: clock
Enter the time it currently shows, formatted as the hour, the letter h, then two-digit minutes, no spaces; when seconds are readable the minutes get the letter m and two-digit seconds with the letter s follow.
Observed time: 10h00m07s
